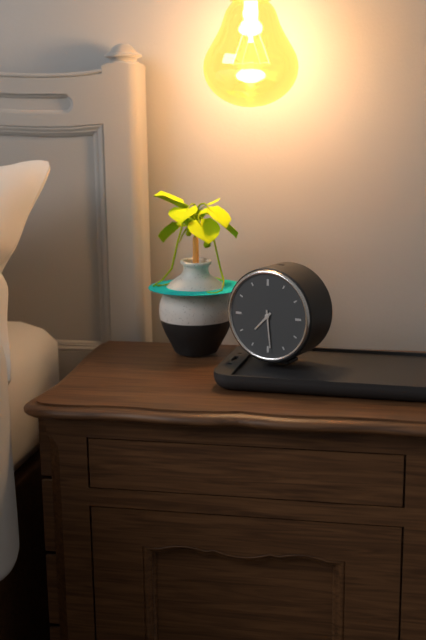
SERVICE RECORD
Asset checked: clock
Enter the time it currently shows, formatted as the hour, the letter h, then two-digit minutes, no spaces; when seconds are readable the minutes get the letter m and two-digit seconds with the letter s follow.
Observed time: 7h29
